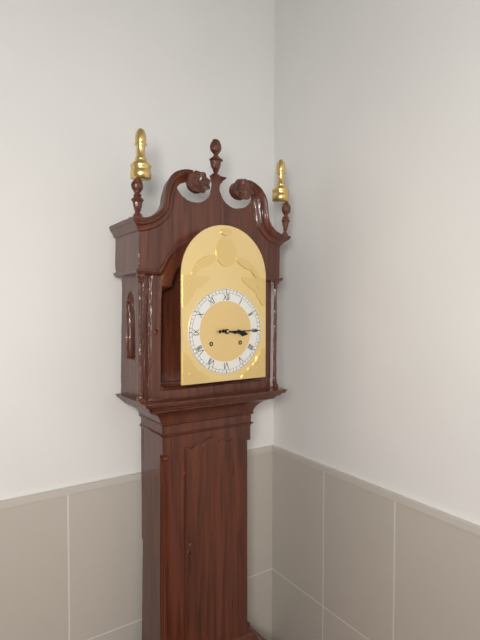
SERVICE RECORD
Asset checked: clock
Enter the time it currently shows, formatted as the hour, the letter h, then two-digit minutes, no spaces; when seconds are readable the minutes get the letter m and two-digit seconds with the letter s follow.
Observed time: 3h15
